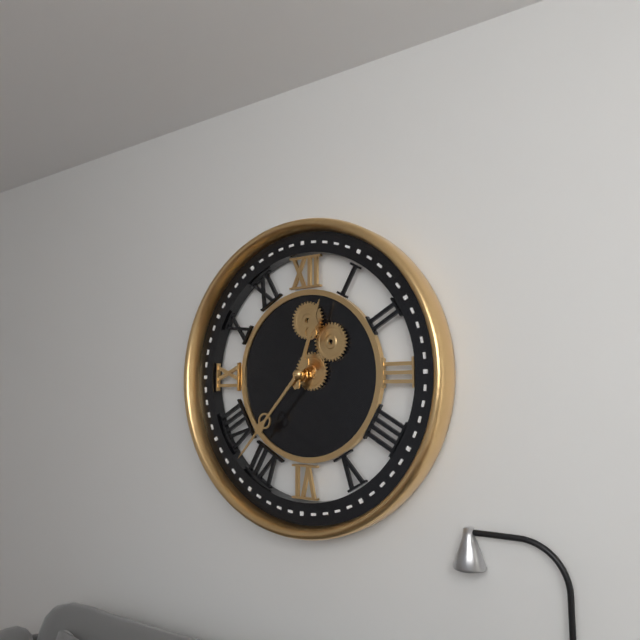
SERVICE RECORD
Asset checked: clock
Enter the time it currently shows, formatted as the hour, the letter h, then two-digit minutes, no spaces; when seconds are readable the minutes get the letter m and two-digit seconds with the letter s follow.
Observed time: 12h37
